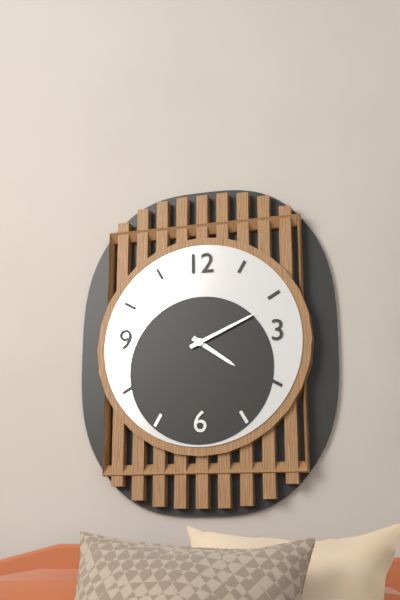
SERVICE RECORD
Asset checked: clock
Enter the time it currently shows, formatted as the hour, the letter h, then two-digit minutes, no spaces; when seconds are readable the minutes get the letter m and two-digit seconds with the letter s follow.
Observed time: 4h11
